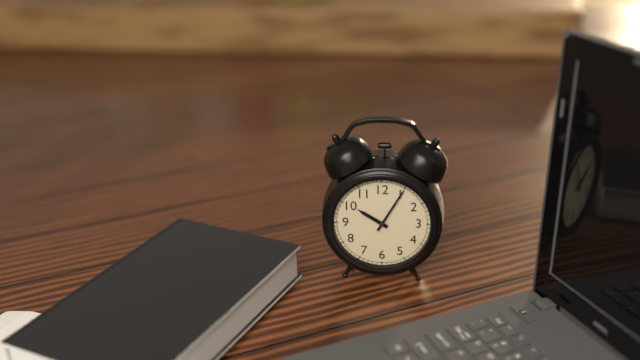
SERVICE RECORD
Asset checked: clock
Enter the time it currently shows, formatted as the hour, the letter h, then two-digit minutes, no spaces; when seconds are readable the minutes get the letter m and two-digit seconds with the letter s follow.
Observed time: 10h05
